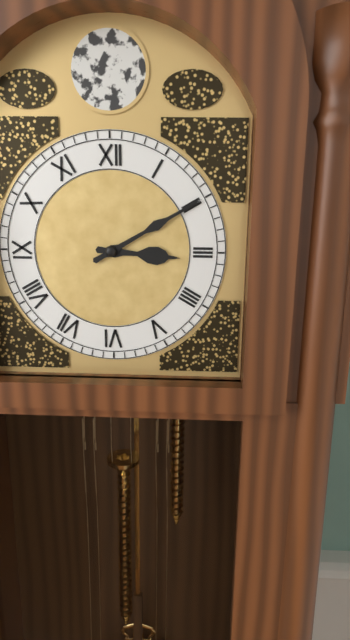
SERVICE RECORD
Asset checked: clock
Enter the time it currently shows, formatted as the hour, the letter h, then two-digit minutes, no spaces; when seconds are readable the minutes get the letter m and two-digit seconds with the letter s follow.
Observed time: 3h10
